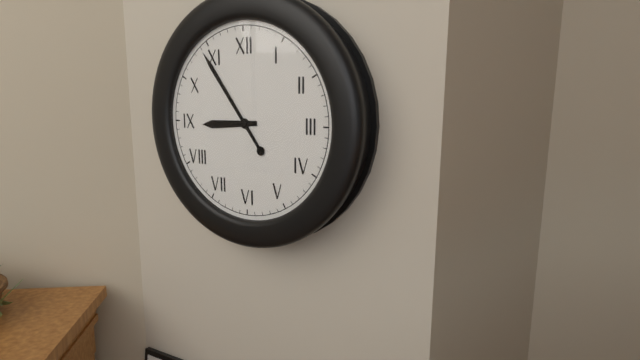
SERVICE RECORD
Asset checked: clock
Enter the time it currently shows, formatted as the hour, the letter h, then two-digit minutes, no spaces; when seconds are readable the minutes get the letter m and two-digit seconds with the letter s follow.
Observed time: 8h54
